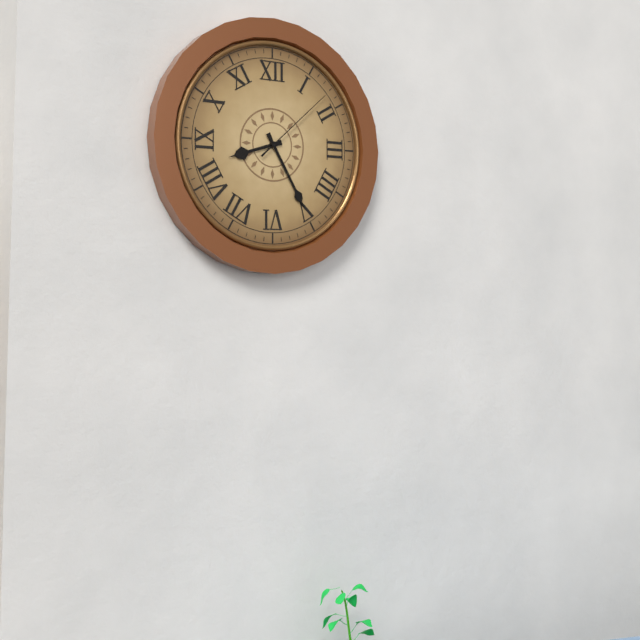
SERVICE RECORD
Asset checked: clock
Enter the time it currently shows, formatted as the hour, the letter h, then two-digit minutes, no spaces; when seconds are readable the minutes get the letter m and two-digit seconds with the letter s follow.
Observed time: 8h25m08s
